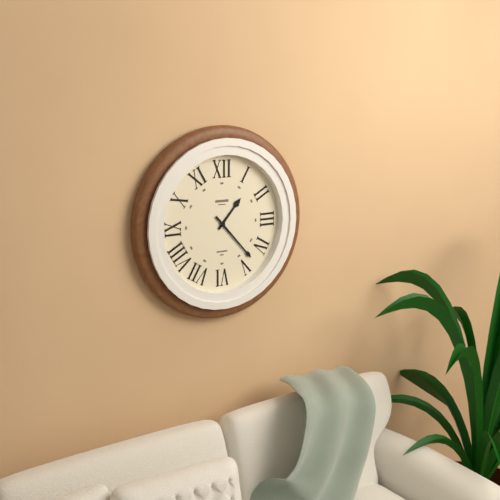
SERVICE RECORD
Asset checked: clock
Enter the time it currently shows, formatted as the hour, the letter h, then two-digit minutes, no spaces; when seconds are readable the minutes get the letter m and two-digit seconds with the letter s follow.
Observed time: 1h23
